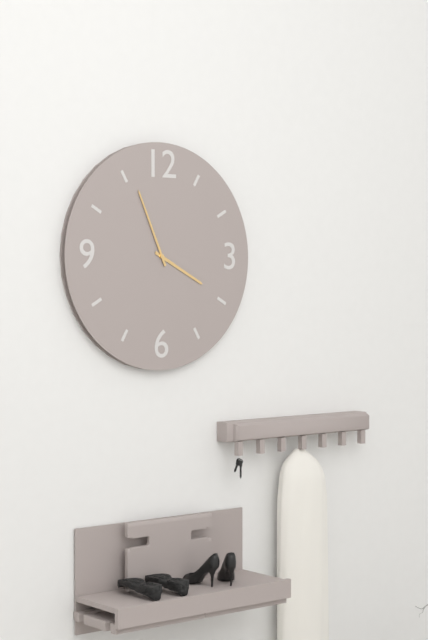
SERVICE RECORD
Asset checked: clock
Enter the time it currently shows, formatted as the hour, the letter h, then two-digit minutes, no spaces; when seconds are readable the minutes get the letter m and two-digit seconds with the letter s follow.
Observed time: 3h56
